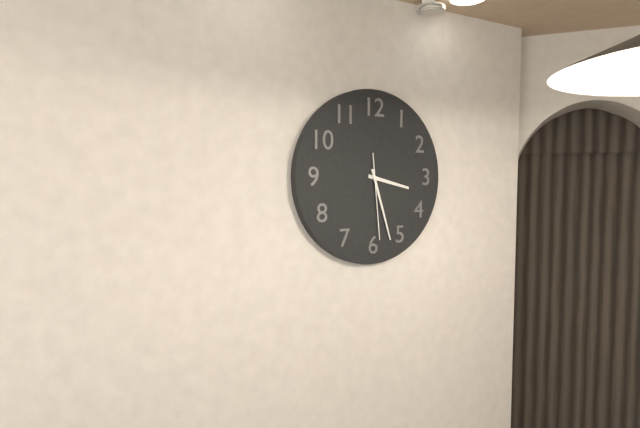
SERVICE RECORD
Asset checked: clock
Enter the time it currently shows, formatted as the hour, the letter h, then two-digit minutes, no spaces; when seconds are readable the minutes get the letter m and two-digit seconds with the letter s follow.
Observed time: 3h27m29s
